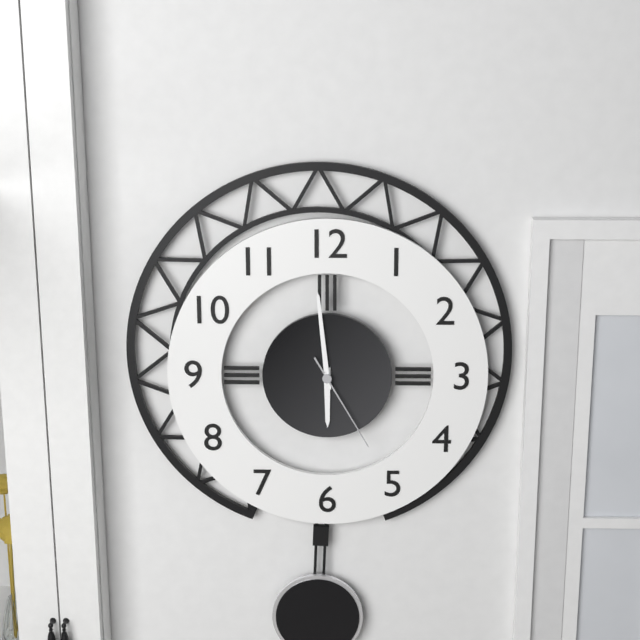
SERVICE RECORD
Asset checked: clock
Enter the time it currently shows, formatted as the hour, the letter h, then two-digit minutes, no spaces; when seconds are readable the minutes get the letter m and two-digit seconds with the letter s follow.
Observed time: 5h59m25s
